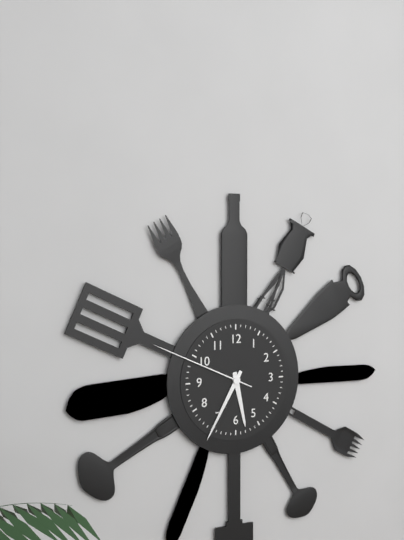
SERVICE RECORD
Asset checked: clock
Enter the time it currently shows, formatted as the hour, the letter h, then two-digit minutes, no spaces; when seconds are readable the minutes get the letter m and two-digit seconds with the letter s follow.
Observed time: 5h35m49s
